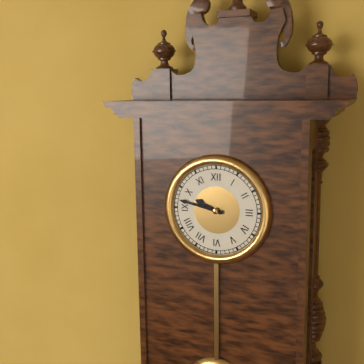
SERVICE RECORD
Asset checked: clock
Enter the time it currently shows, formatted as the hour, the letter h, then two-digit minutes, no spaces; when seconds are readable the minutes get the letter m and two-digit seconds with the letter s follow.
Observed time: 9h47
